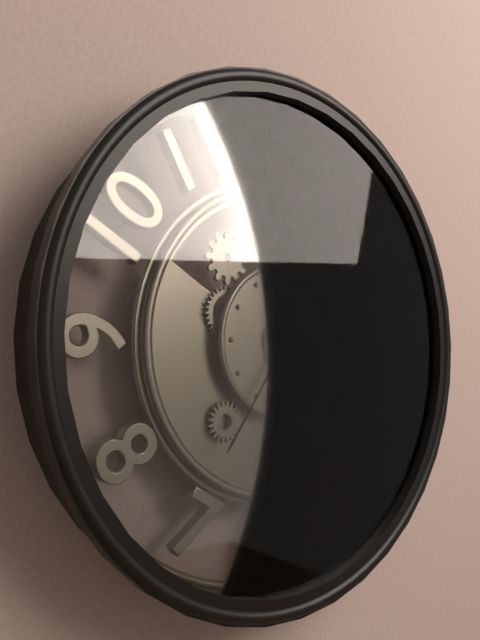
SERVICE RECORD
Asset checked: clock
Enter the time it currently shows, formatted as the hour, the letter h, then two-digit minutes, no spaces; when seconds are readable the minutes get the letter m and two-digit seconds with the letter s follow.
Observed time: 4h17m36s
